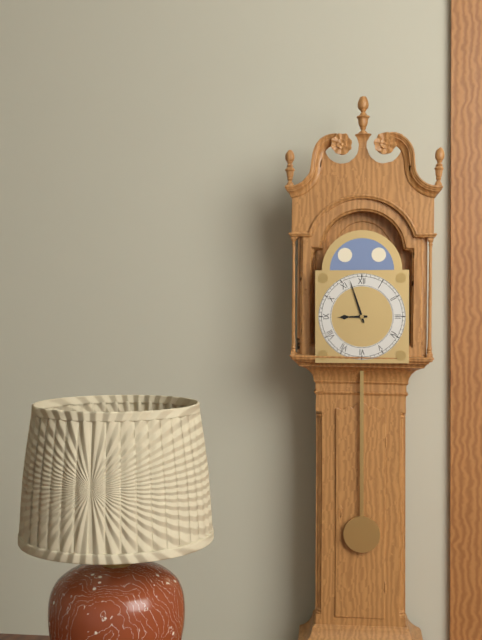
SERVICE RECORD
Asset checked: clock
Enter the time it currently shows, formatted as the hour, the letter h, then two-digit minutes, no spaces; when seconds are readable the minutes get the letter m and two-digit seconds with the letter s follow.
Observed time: 8h57
